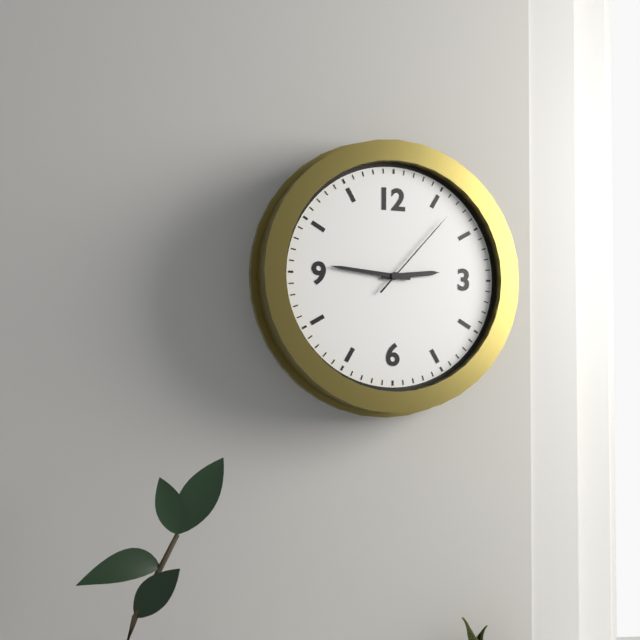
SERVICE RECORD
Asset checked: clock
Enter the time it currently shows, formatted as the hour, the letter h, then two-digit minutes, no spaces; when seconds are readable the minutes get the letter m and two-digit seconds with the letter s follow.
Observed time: 2h46m07s
